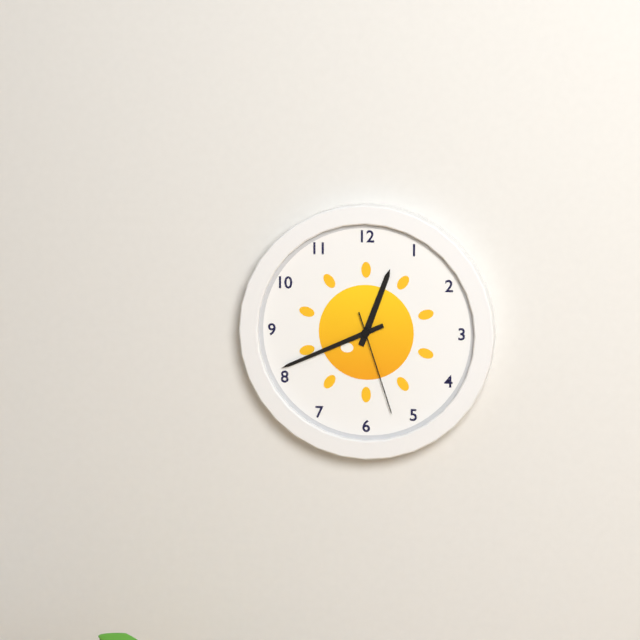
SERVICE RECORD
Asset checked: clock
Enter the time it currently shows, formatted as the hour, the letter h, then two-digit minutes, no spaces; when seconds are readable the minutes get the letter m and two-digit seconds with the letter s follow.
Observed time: 12h41m27s
